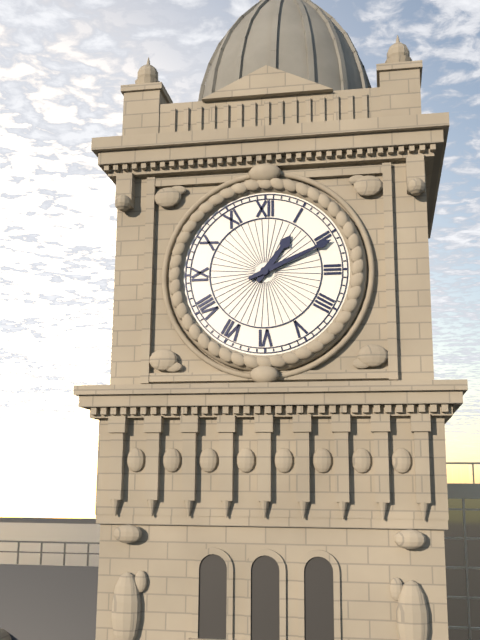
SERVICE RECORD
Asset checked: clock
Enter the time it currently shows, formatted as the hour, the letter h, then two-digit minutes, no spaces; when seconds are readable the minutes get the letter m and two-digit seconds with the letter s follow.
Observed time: 1h11
